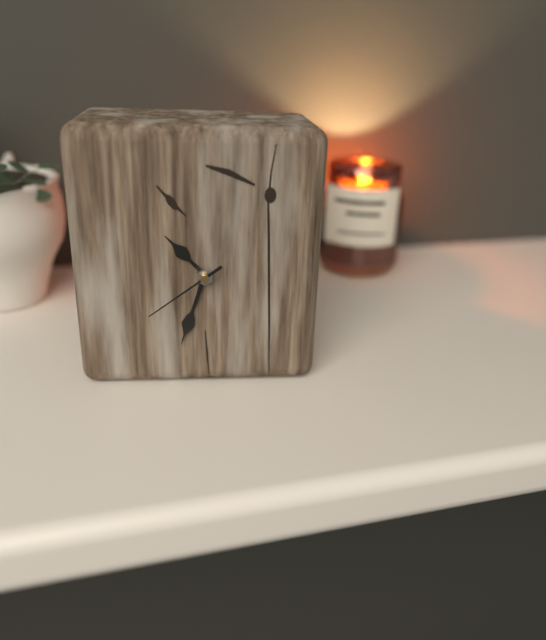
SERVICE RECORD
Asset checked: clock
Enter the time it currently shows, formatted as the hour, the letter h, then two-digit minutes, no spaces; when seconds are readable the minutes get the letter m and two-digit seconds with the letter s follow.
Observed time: 10h33m39s
